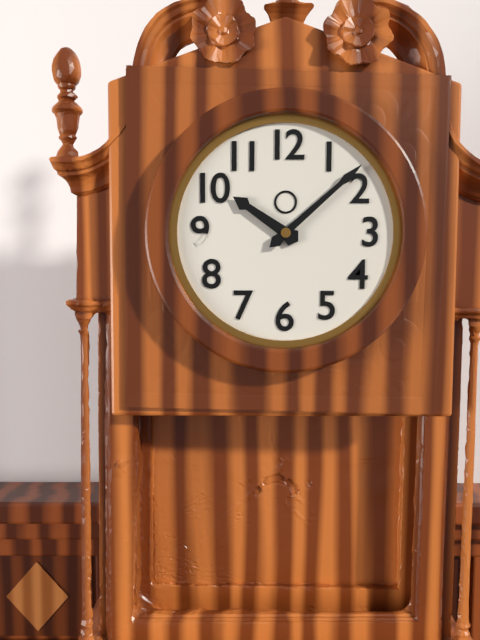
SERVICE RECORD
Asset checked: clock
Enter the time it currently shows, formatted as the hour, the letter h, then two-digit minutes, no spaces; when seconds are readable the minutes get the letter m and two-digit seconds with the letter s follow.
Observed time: 10h08
